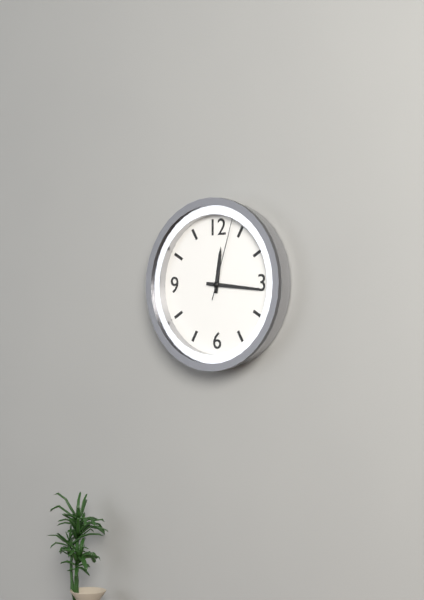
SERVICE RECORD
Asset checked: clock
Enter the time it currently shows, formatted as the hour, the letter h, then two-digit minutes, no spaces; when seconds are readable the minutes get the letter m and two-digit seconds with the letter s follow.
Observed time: 12h16m03s
